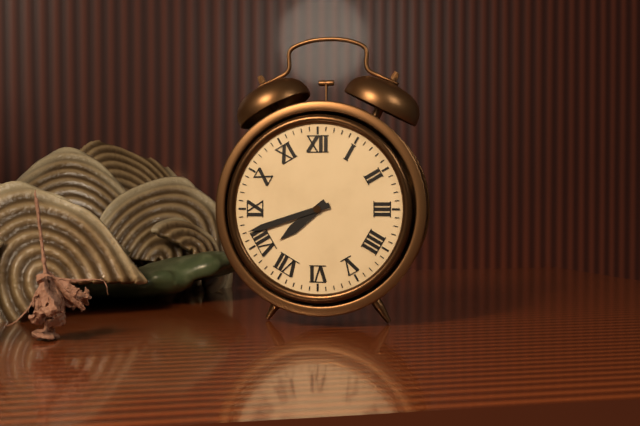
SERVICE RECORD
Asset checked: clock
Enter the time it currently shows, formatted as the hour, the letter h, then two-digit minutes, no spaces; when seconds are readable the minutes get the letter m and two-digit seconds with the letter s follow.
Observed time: 7h42
